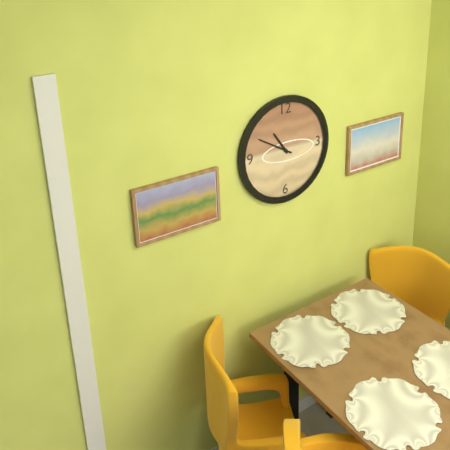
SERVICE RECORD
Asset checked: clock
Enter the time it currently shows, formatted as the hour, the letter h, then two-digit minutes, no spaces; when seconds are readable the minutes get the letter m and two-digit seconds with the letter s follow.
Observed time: 10h50
